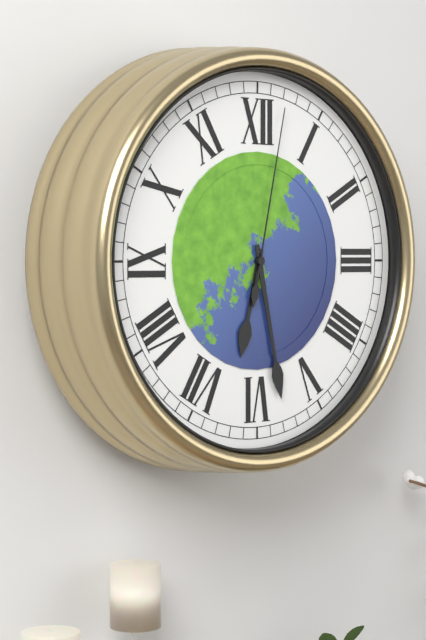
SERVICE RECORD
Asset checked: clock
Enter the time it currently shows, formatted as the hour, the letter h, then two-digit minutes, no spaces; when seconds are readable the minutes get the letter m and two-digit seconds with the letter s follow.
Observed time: 6h28m02s
